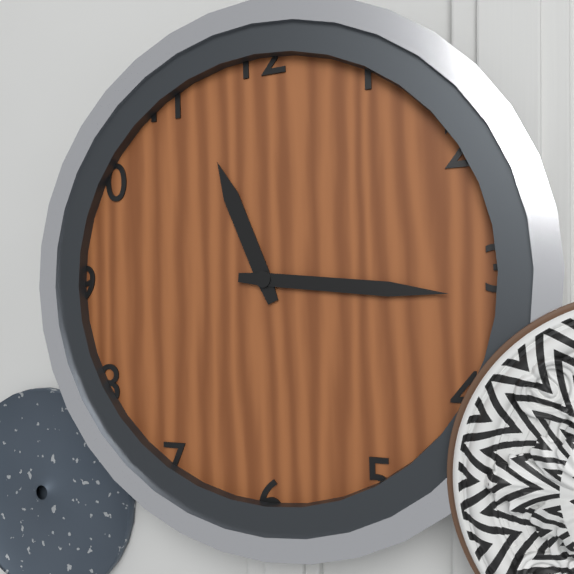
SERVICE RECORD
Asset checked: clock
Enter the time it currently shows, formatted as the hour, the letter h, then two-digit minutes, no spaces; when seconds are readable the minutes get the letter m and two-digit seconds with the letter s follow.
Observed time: 11h16
